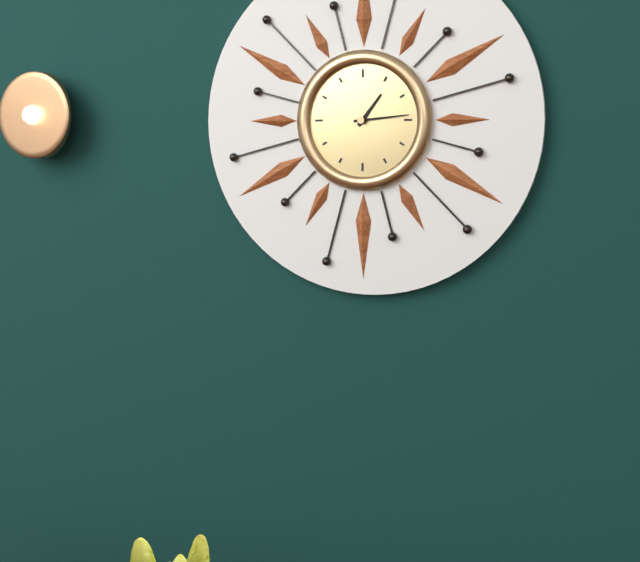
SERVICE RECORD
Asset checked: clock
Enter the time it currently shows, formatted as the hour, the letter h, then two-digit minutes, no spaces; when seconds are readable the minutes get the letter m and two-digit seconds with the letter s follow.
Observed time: 1h14
